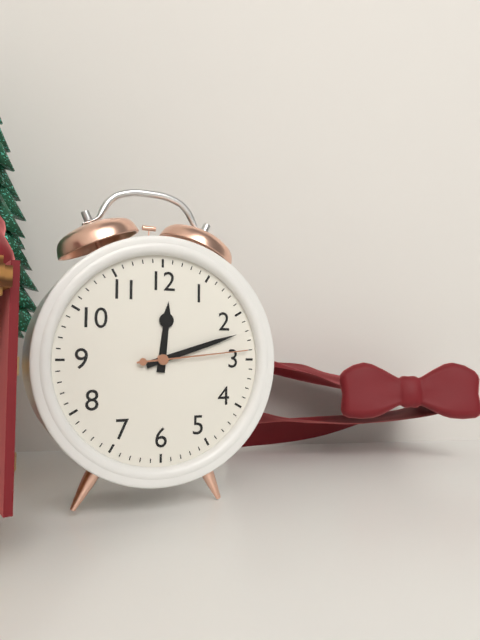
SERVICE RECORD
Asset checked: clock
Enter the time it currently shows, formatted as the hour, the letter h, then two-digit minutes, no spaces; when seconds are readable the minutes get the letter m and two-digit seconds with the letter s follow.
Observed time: 12h12m14s
